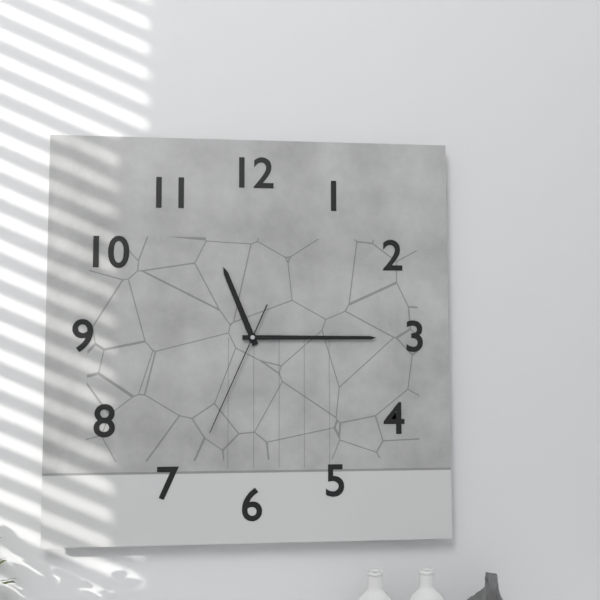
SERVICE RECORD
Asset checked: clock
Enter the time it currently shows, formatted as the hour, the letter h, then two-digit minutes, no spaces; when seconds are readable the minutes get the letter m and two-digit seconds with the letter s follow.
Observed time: 11h15m34s
